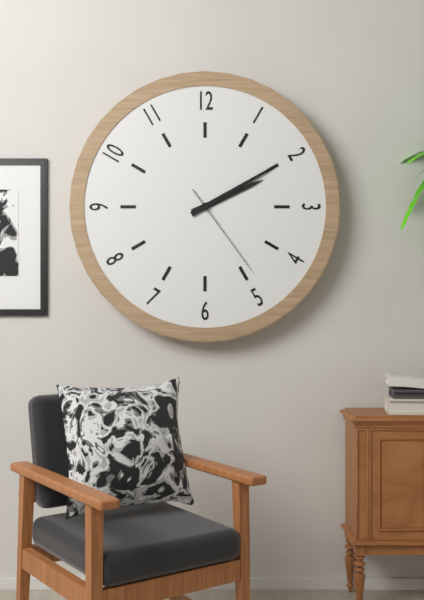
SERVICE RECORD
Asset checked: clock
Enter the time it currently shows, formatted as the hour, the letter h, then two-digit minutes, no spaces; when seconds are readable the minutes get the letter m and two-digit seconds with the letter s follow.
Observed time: 2h10m24s
